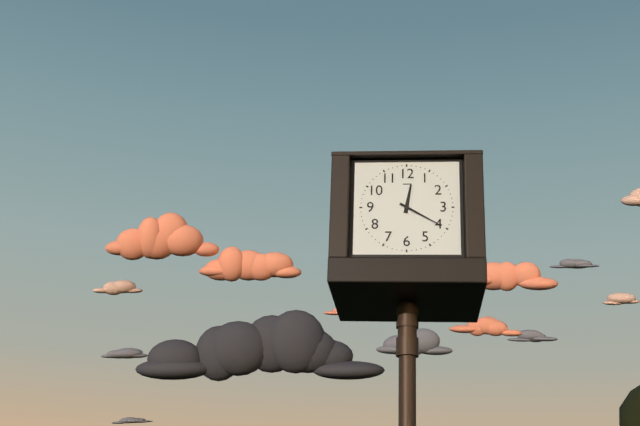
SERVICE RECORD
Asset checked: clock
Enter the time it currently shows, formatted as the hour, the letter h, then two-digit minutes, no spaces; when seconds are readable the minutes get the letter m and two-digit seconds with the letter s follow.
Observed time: 12h20
